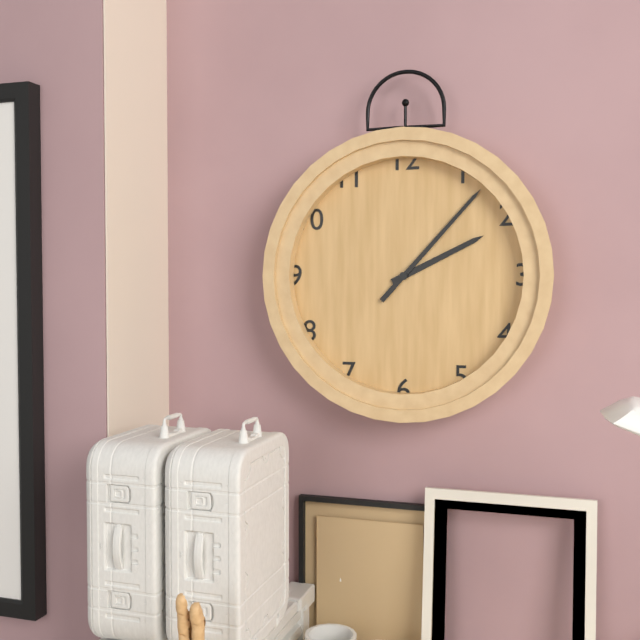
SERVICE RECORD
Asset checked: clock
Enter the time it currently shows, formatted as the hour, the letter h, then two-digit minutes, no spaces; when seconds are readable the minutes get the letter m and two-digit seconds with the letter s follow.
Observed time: 2h07
